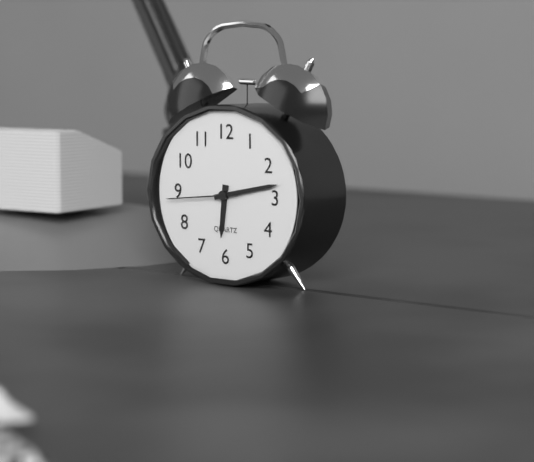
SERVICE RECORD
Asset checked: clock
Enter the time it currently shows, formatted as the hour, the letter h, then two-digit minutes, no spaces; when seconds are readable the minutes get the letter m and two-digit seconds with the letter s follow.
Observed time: 6h13m44s
